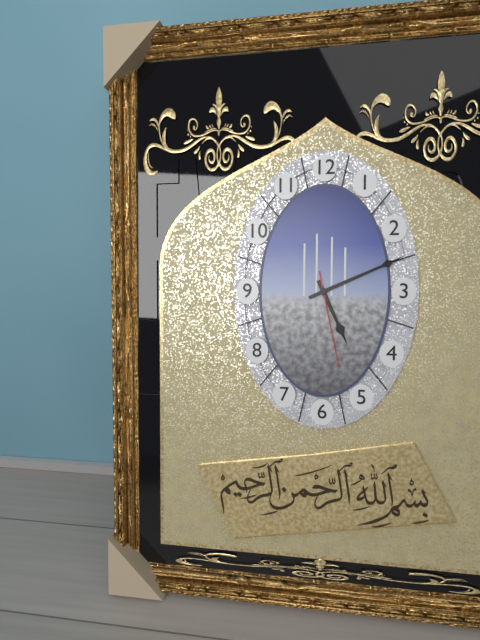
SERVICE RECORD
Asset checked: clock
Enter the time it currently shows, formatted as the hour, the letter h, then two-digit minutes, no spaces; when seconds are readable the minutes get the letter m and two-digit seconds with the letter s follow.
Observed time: 5h11m28s
